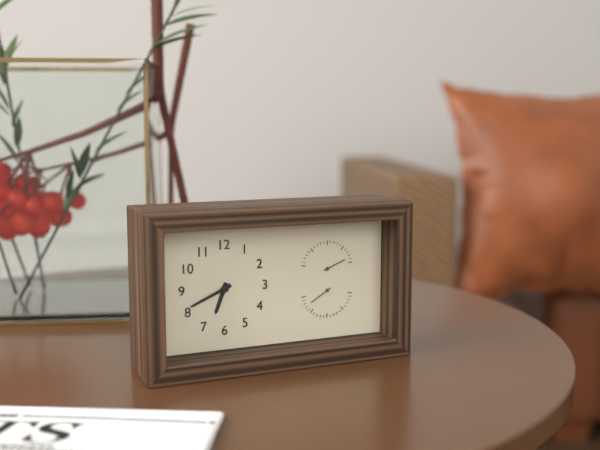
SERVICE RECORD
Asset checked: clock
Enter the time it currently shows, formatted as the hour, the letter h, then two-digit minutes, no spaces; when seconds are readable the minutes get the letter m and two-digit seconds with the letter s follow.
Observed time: 6h41
